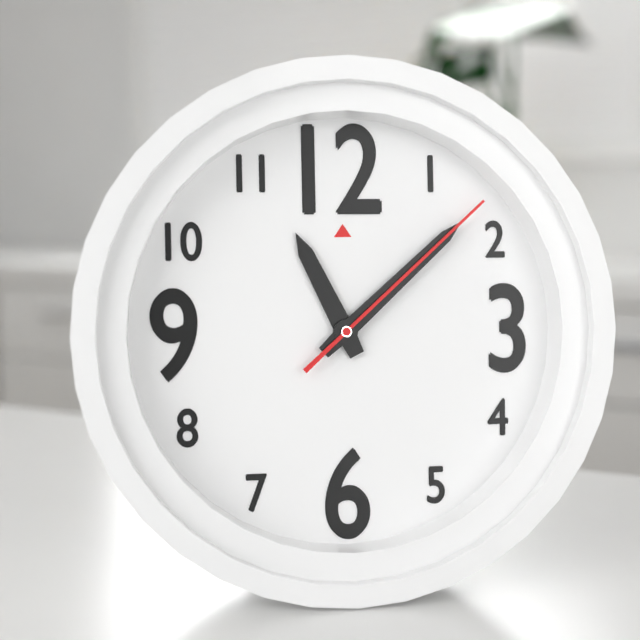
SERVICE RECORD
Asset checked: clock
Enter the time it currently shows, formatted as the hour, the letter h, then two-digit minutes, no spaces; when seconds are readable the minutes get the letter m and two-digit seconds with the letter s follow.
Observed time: 11h08m08s
